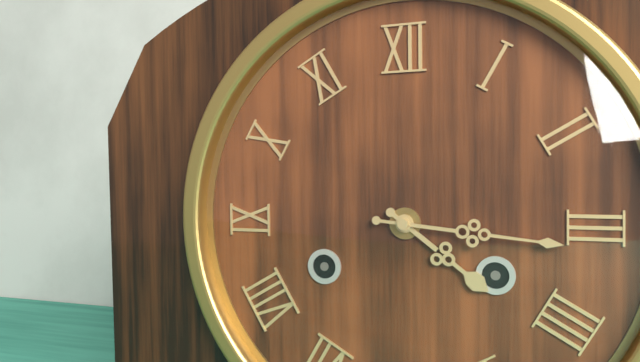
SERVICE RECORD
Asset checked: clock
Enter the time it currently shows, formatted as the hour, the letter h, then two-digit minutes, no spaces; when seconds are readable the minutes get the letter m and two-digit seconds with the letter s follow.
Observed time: 4h16
